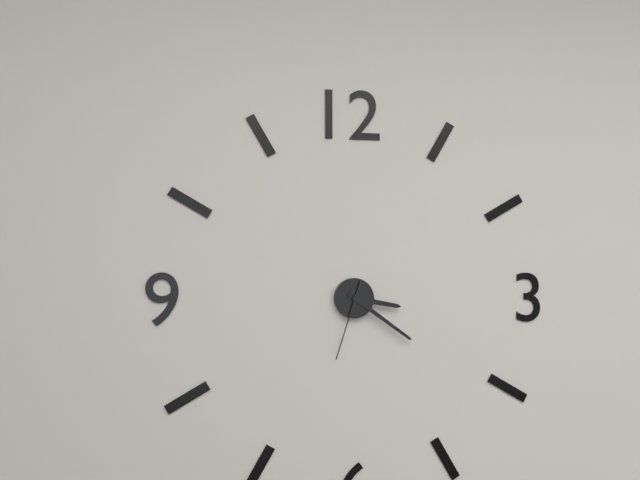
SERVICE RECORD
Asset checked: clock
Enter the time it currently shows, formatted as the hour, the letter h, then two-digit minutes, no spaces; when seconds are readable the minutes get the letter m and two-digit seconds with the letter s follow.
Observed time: 3h21m33s
